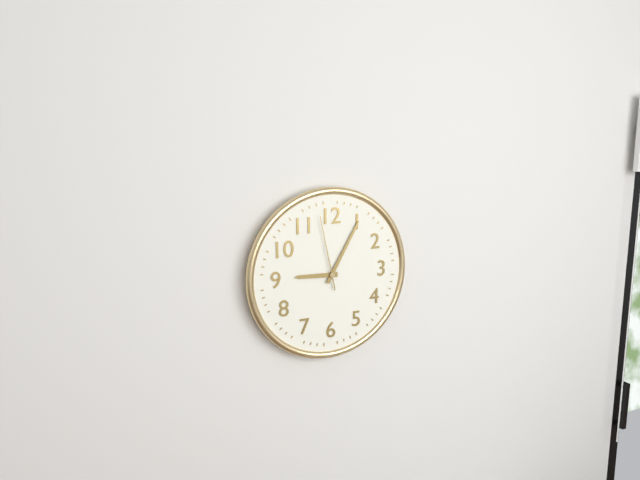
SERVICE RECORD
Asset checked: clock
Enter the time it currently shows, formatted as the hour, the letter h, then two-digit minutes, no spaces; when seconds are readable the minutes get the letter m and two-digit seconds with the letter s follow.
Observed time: 9h05m58s
